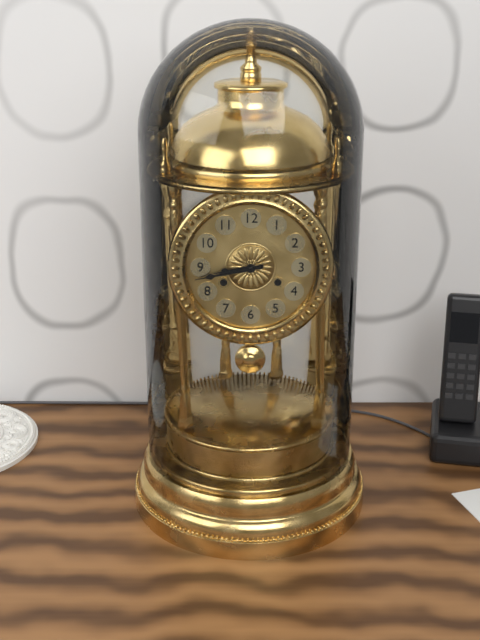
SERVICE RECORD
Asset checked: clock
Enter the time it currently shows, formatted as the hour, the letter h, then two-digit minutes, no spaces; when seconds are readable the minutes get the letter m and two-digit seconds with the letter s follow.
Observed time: 8h43
